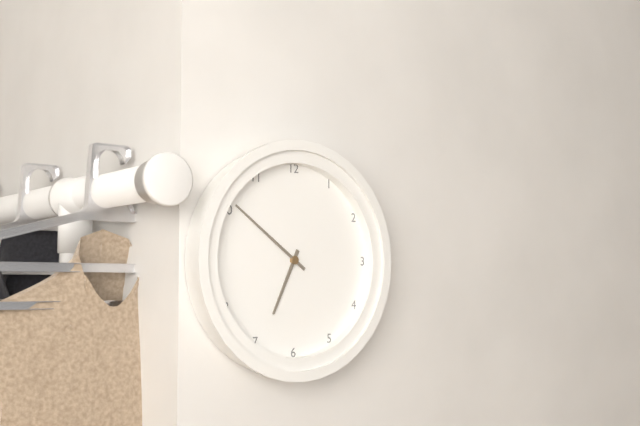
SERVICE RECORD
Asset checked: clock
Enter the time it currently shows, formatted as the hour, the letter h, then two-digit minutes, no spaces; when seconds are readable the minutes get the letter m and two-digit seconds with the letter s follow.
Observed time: 6h51
